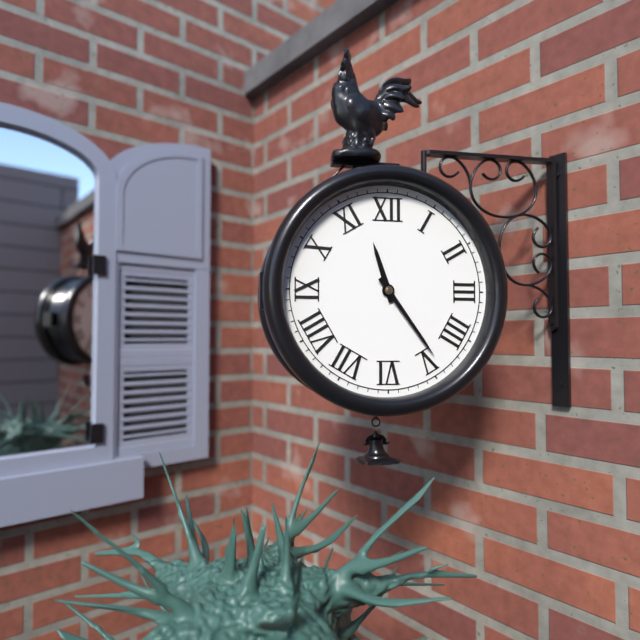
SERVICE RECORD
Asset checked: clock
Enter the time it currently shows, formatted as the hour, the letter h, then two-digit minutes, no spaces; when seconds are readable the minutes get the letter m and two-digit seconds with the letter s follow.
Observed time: 11h24
